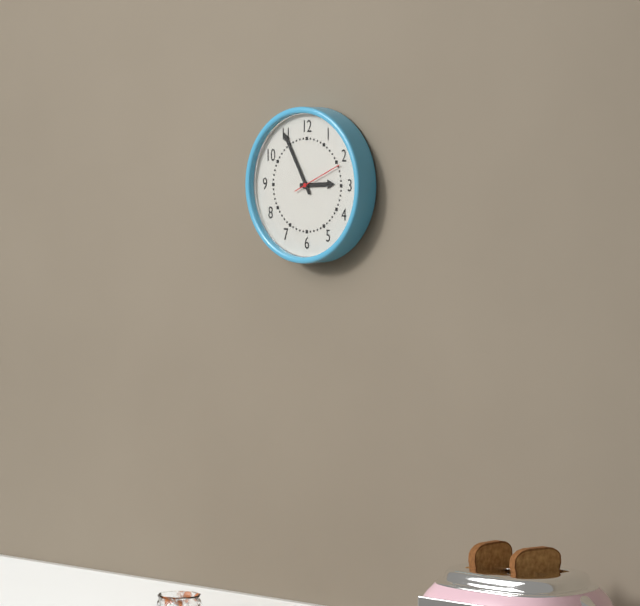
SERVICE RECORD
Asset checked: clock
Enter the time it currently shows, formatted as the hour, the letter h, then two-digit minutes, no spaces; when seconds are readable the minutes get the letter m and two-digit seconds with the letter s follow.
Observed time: 2h55
